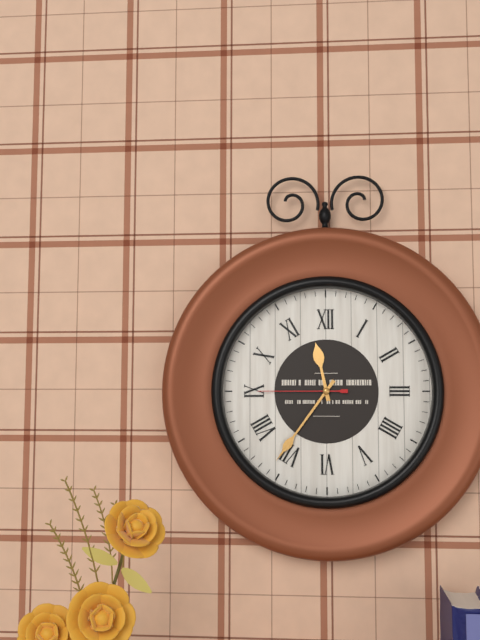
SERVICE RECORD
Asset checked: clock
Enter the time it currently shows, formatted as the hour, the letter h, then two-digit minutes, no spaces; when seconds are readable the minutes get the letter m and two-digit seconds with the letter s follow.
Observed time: 11h36m45s
